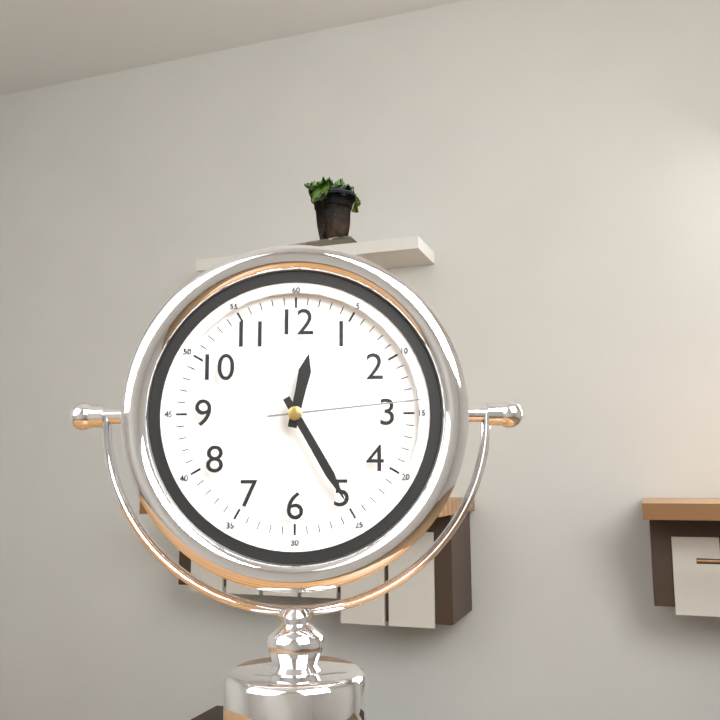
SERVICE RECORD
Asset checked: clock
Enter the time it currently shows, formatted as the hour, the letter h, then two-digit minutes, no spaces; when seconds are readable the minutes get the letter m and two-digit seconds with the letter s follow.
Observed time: 12h25m14s
